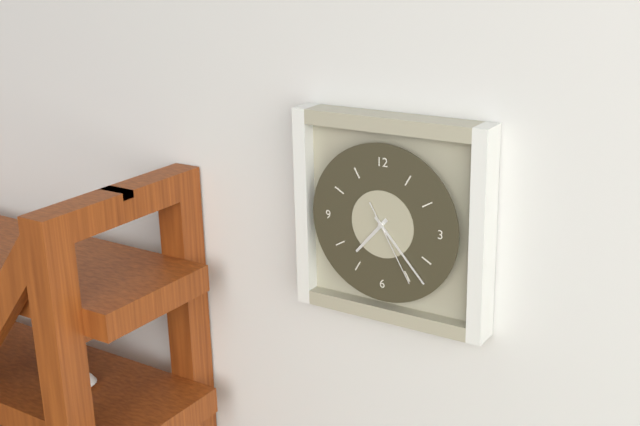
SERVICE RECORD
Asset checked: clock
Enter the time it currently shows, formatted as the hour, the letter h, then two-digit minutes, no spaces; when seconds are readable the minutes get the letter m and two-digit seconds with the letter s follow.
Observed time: 7h23m25s
